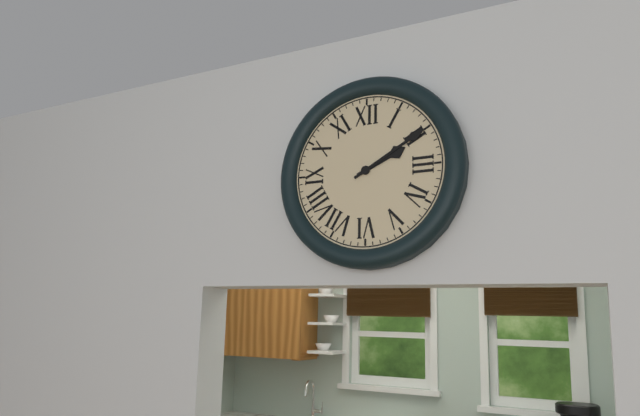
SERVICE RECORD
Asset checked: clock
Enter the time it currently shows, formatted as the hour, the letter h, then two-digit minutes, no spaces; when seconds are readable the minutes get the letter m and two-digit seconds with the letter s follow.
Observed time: 2h10
